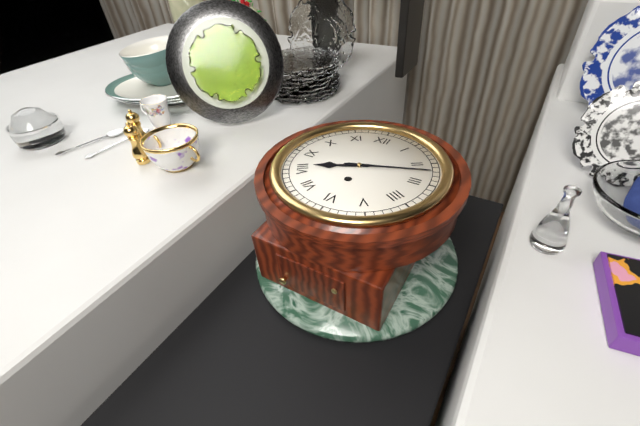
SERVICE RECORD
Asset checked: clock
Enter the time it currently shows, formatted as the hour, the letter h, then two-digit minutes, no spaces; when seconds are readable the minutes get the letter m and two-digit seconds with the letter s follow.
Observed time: 8h12
